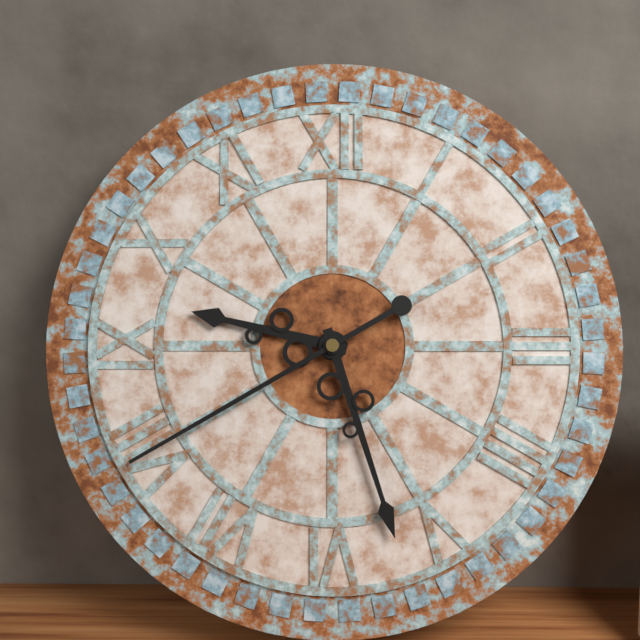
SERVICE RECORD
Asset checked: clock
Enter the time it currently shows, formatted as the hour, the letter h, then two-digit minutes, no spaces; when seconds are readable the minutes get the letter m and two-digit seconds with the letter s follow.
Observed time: 9h27m40s
